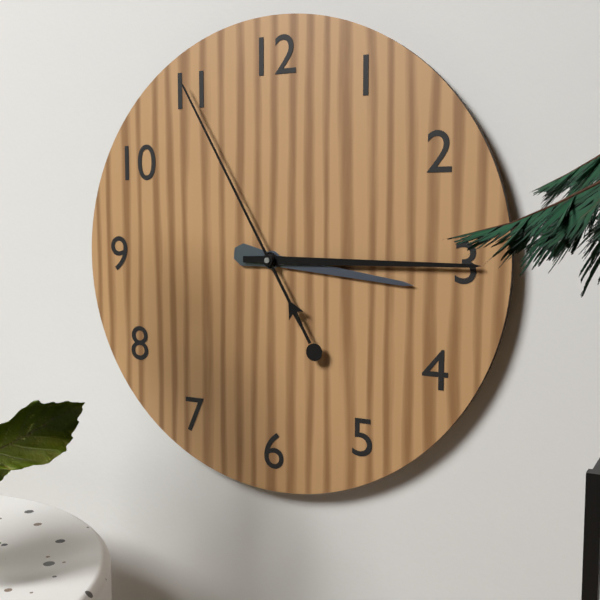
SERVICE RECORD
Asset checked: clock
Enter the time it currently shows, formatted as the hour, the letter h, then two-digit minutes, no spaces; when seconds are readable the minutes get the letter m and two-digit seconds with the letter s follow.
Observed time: 3h15m55s
